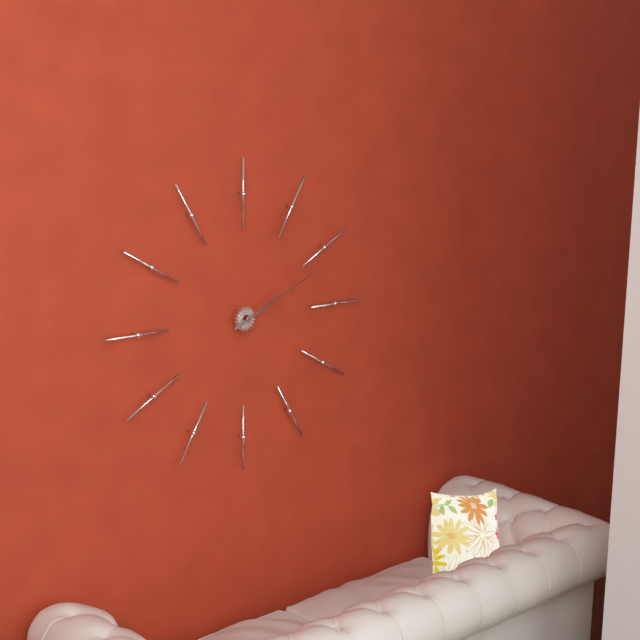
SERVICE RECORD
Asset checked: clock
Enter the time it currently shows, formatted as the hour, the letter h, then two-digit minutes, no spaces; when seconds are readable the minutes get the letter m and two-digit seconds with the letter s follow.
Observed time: 2h11
